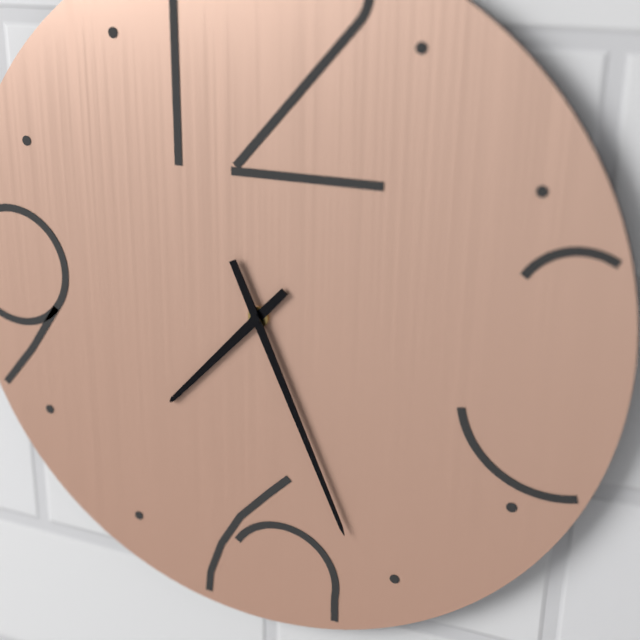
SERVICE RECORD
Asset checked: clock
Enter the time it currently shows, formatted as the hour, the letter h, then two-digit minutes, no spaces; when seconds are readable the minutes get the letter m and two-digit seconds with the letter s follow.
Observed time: 7h26
